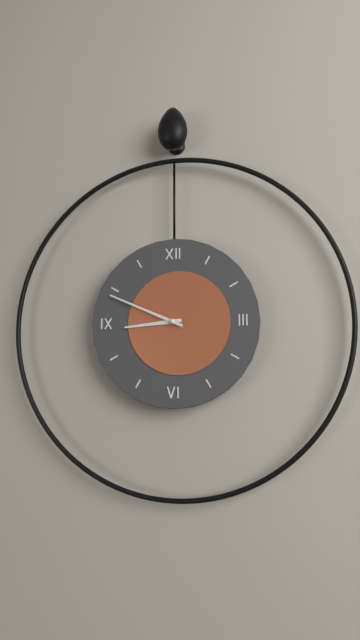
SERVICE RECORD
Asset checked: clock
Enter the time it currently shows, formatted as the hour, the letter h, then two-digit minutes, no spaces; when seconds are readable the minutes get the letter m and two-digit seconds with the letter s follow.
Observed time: 8h49
